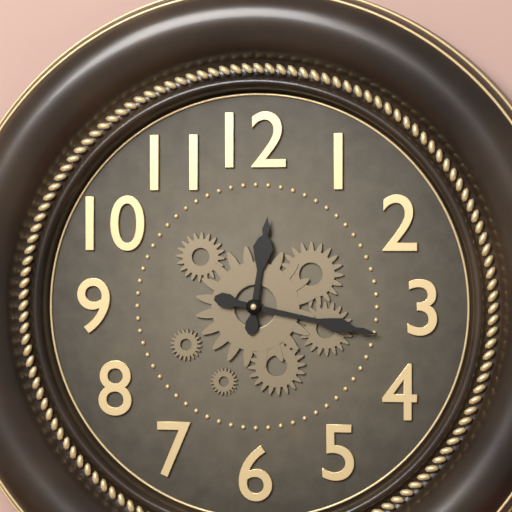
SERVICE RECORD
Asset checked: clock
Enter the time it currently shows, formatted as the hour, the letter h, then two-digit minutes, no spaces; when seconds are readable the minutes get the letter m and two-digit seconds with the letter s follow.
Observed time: 12h17
